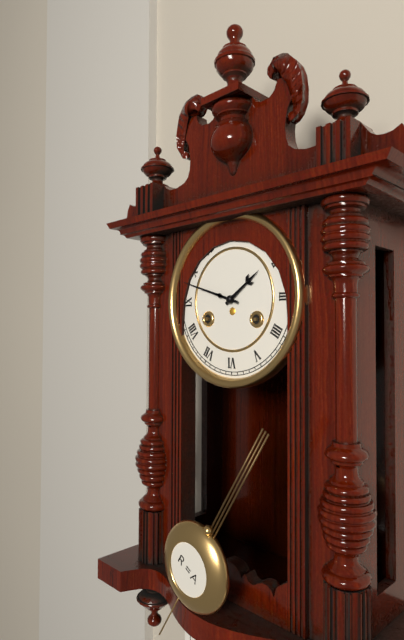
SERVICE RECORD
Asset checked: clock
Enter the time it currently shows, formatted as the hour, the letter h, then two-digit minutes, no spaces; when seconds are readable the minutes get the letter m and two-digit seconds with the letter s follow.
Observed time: 1h48
